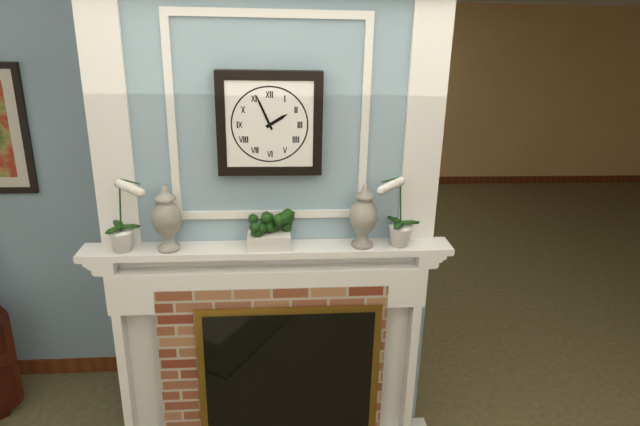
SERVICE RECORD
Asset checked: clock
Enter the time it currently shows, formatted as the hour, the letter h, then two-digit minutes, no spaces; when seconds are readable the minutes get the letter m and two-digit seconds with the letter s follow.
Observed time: 1h56
